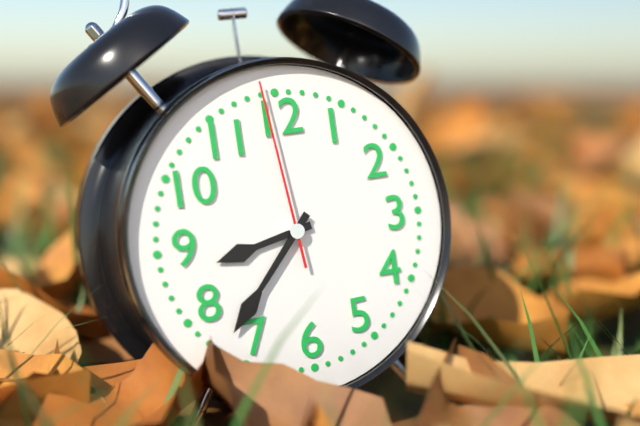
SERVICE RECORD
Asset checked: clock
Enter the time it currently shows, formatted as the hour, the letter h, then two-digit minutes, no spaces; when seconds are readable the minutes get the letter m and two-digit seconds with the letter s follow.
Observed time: 8h37m59s
